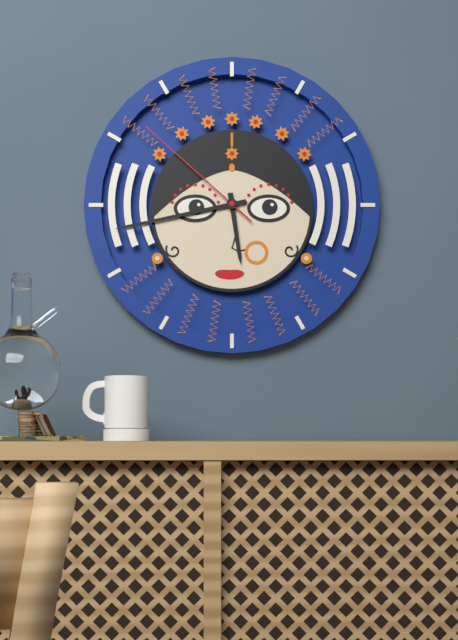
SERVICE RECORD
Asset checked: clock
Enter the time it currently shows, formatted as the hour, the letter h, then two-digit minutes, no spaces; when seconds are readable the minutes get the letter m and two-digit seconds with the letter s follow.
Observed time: 5h43m52s
